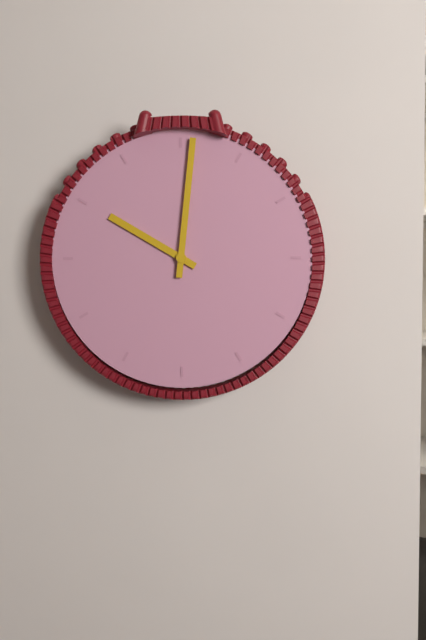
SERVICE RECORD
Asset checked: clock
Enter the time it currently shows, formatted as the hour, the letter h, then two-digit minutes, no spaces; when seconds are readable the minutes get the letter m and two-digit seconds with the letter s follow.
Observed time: 10h01
